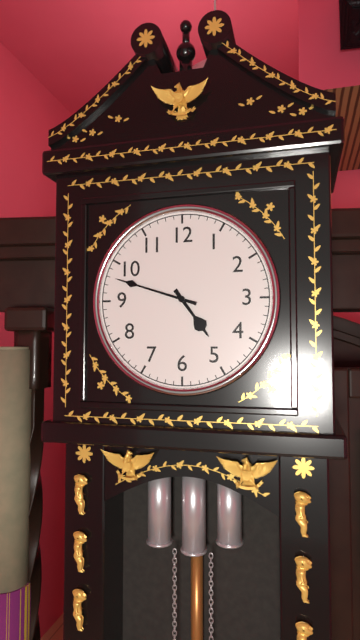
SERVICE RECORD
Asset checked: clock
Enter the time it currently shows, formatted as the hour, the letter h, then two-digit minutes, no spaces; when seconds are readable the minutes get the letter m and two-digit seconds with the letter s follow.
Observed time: 4h48
